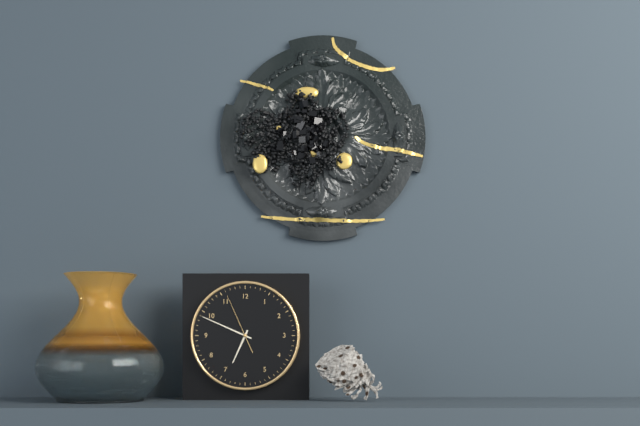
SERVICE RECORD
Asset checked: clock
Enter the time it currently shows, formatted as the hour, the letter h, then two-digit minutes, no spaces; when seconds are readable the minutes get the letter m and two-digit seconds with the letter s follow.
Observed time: 6h49m56s
